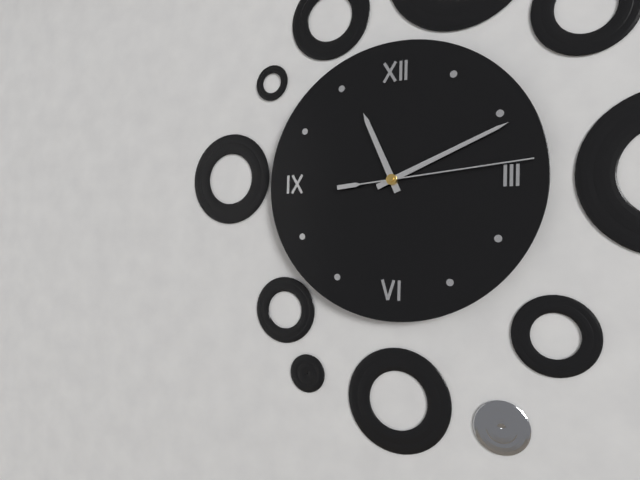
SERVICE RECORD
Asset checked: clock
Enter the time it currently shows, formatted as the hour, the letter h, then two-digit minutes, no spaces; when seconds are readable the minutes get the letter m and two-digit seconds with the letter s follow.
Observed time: 11h11m14s
